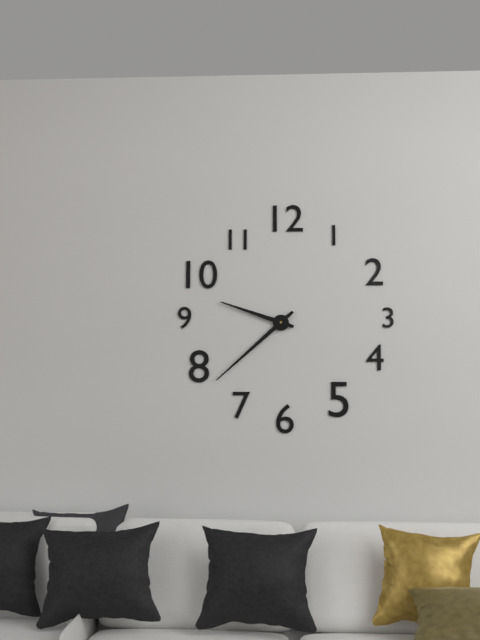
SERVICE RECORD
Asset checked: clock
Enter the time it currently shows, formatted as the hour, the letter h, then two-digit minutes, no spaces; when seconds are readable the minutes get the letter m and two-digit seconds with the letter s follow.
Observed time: 9h38
